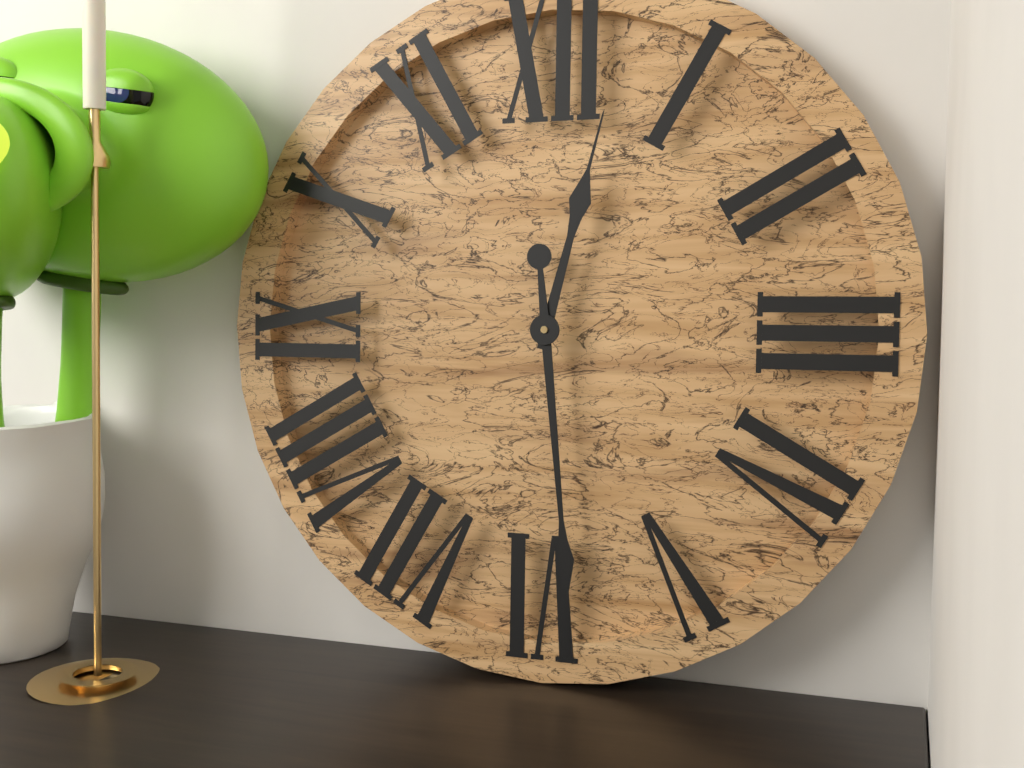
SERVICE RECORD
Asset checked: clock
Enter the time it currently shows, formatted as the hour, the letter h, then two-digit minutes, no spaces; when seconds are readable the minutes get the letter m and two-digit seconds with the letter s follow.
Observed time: 12h29
